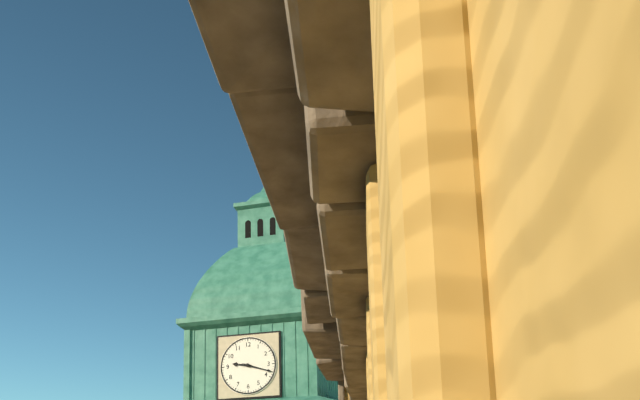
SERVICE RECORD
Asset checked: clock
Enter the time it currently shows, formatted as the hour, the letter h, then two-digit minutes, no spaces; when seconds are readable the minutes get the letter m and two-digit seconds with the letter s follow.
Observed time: 9h18
